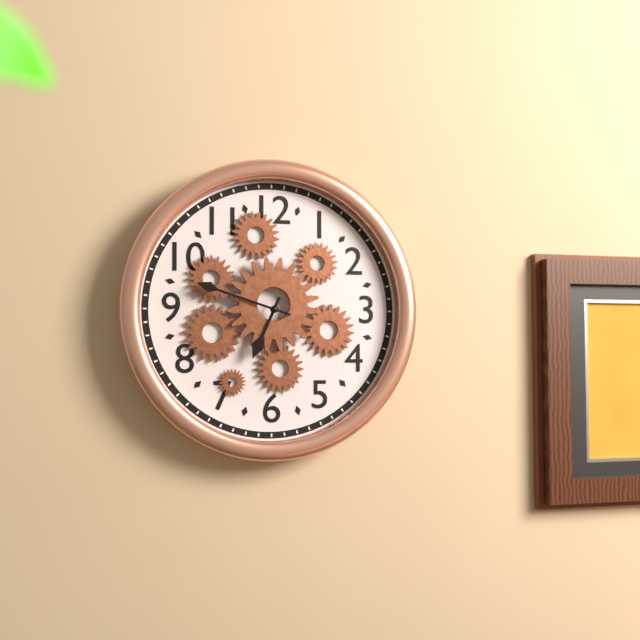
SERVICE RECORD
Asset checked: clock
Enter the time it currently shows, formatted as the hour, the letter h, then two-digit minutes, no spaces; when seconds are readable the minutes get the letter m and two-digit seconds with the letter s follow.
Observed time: 6h48
